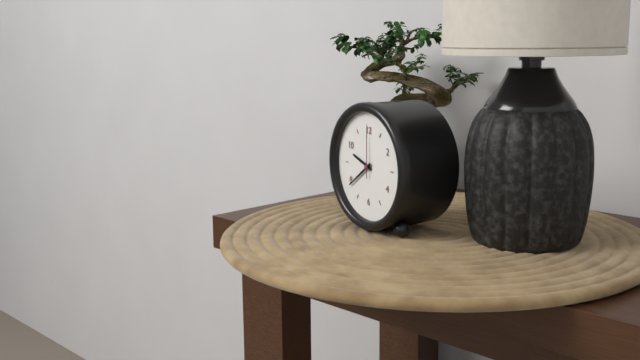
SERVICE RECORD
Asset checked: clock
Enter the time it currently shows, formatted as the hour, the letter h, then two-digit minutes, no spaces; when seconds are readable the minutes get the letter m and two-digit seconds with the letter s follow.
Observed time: 9h39m00s
